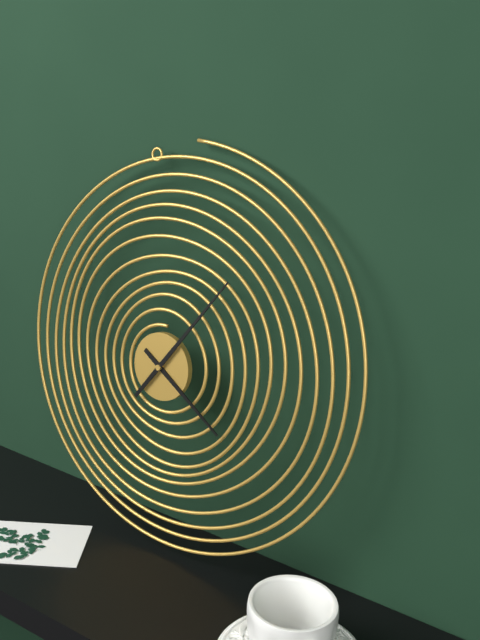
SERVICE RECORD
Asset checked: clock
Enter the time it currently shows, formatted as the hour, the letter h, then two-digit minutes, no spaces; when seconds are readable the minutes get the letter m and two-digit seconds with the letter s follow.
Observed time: 4h06
